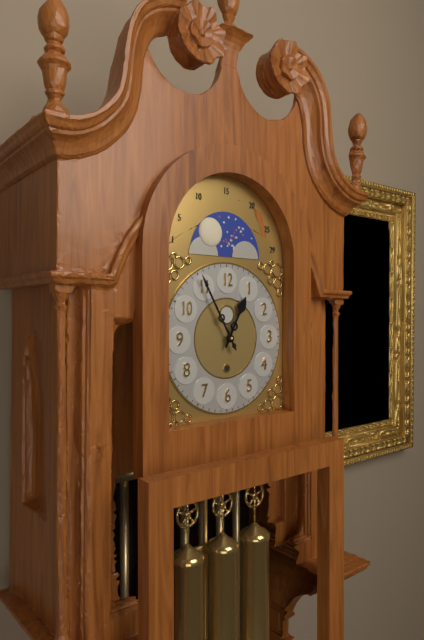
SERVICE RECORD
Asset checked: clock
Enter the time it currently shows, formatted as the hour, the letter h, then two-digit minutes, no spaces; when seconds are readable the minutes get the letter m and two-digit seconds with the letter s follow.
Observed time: 12h55
